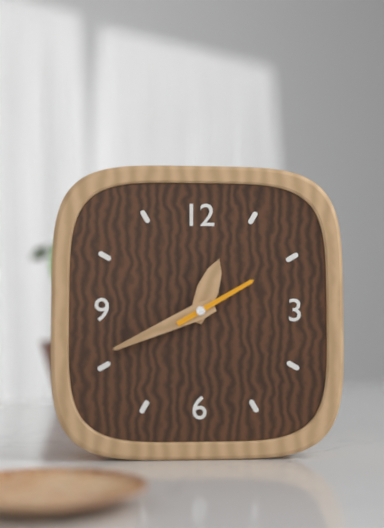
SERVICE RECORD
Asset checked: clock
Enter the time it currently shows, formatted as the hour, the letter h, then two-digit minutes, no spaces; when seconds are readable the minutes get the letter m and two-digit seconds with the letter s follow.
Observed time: 12h41m10s
